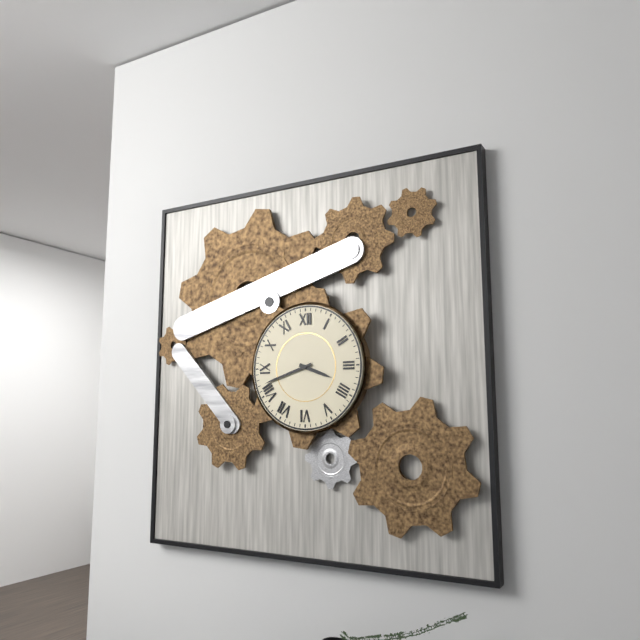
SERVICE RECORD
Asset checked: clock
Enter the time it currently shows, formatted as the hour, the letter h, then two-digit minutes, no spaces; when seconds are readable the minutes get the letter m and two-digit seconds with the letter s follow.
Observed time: 3h42
